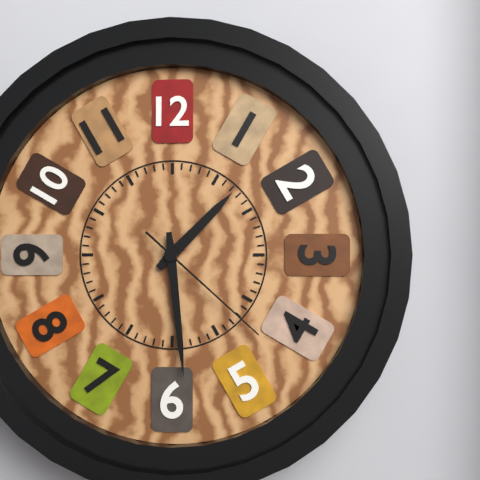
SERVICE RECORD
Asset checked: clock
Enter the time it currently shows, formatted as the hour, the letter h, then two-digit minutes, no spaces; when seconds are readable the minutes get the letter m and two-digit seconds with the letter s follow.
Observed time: 1h29m22s
